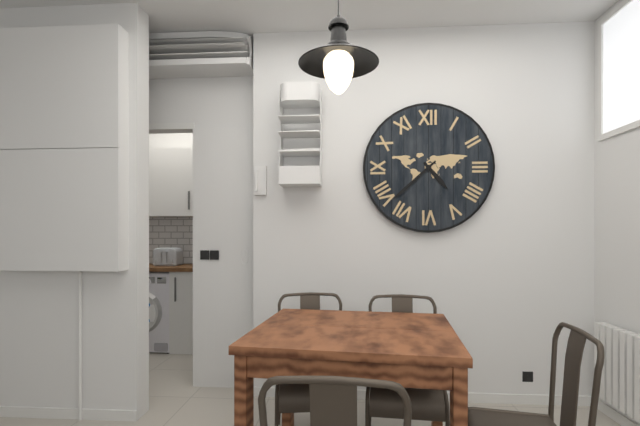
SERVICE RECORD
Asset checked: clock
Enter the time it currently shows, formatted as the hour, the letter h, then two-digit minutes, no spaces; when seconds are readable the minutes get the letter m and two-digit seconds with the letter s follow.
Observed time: 4h38
